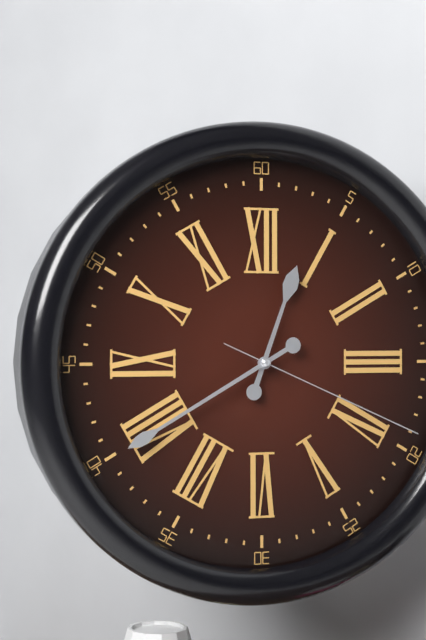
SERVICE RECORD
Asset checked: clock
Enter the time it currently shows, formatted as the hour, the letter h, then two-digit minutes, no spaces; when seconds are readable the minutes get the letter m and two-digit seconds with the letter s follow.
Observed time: 12h40m19s
